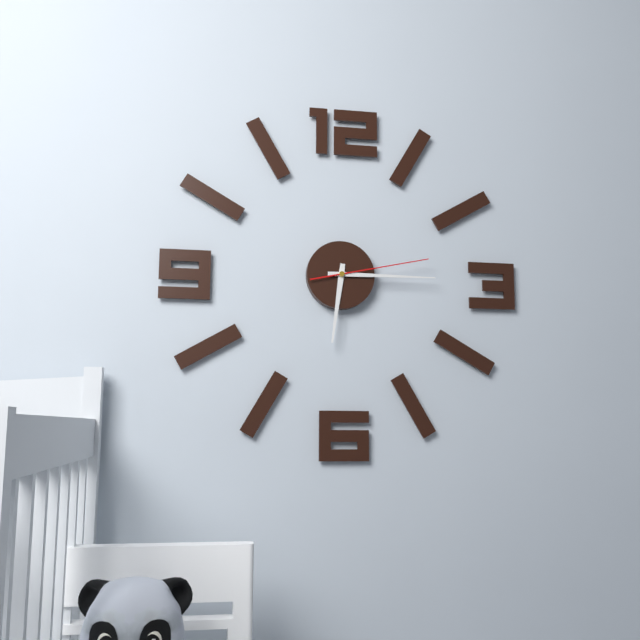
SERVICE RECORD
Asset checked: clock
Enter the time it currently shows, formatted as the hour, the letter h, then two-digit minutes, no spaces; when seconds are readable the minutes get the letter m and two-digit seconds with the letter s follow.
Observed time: 6h15m13s
